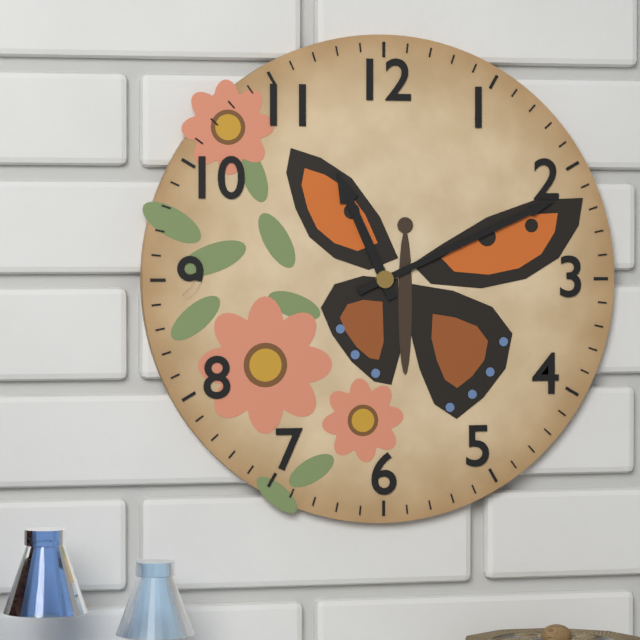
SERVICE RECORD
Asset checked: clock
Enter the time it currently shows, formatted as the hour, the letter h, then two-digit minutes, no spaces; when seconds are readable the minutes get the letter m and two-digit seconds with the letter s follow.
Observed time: 11h11
